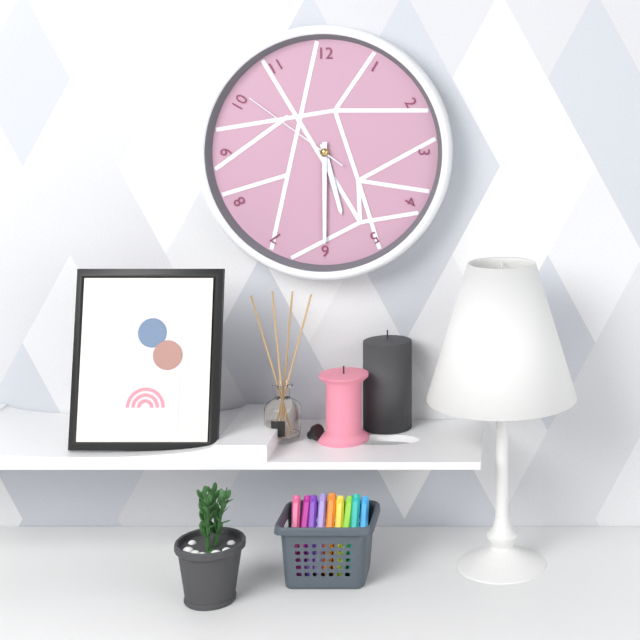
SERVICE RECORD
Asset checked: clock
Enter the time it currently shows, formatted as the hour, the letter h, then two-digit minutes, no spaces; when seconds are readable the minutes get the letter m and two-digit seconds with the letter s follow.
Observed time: 5h30m51s
